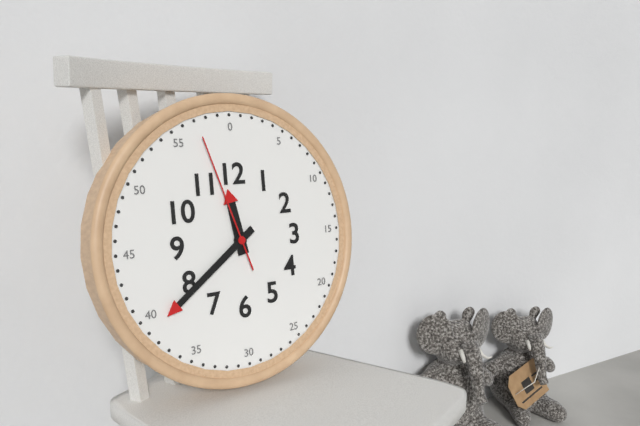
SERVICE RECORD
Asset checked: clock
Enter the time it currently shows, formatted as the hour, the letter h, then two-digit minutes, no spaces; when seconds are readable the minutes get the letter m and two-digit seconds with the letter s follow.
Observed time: 11h39m57s
